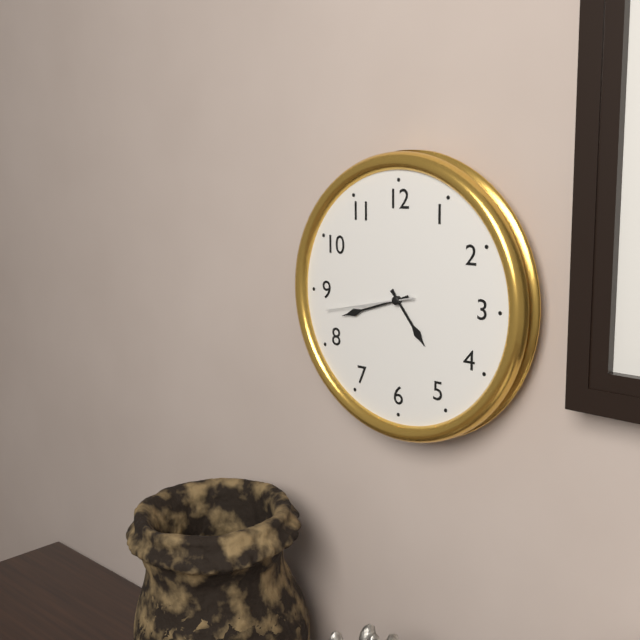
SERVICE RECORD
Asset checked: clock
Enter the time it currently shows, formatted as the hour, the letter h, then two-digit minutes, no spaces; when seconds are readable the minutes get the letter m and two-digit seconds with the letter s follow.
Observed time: 4h42m43s
